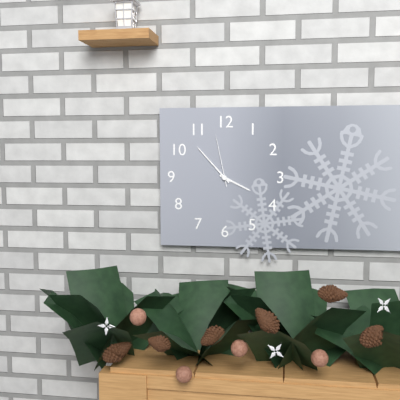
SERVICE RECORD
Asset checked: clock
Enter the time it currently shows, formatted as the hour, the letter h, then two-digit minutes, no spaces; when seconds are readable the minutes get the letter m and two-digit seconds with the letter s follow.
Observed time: 3h53m58s
